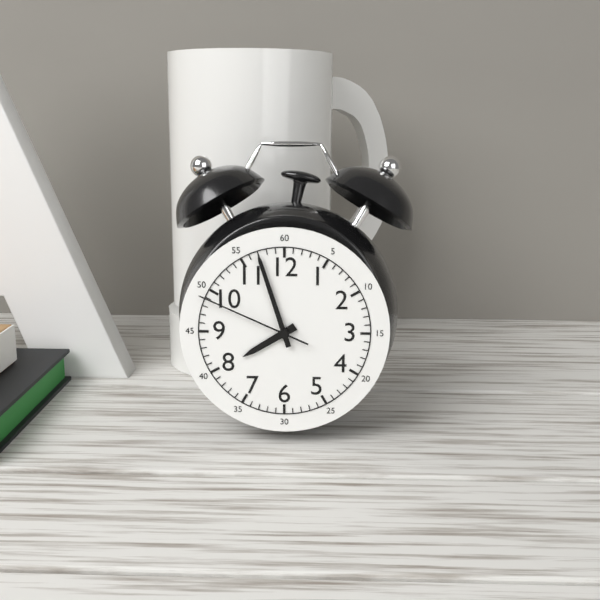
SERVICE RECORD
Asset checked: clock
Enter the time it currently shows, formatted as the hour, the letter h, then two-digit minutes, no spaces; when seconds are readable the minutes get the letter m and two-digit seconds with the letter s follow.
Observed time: 7h57m49s
